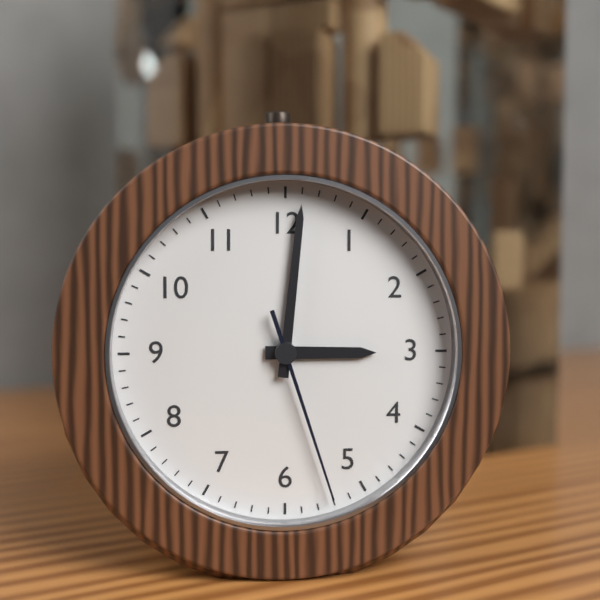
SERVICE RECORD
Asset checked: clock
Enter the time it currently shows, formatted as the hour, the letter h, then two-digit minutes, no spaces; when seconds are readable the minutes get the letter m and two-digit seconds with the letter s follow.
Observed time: 3h01m27s
